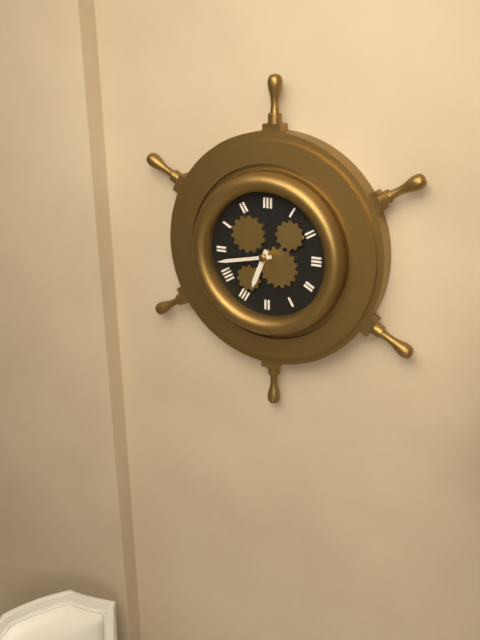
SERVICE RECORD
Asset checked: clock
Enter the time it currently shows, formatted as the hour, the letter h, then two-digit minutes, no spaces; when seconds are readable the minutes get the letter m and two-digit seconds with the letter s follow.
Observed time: 6h43
